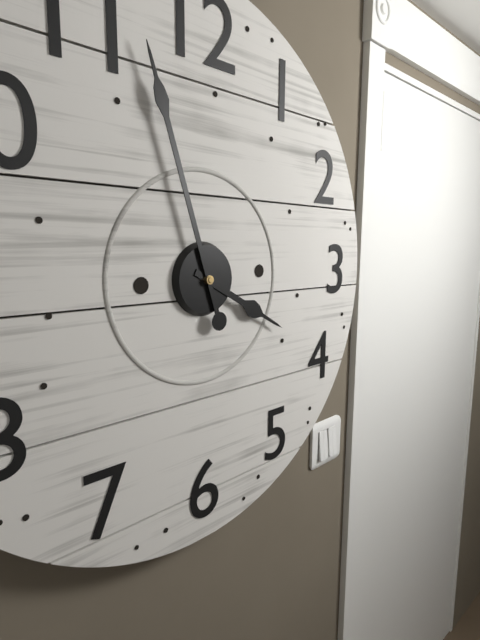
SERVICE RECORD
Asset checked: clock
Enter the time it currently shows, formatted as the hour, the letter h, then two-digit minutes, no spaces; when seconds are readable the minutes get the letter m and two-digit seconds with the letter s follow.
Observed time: 3h57
